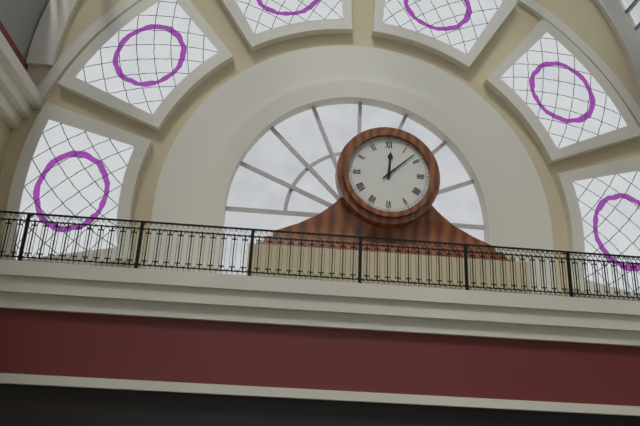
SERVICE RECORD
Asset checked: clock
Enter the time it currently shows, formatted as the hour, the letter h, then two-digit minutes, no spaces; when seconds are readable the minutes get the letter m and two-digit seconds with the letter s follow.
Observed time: 12h08
